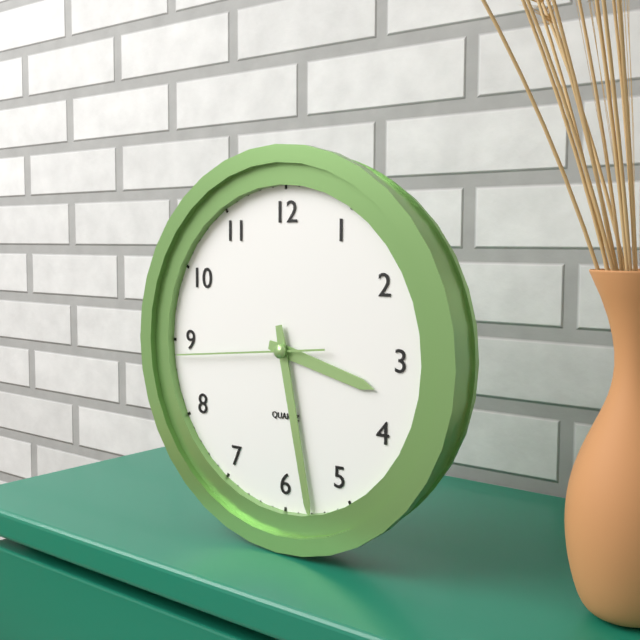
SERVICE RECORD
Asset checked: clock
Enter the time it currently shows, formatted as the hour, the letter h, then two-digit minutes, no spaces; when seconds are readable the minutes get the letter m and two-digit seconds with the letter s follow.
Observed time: 3h28m44s
